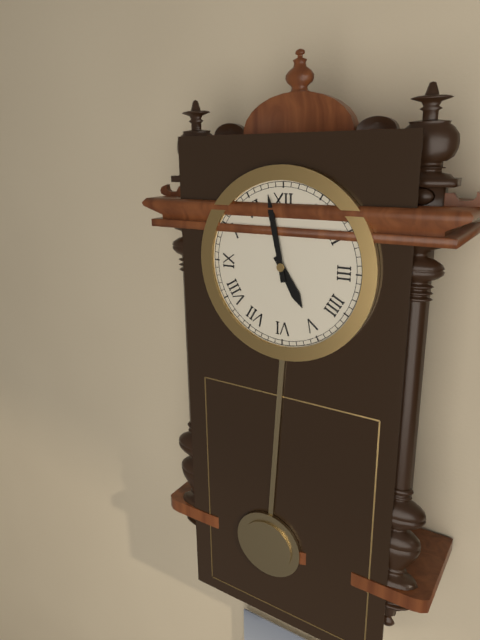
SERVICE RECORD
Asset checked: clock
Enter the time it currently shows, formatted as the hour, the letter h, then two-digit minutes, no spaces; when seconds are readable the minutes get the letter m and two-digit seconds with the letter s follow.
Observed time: 4h58
